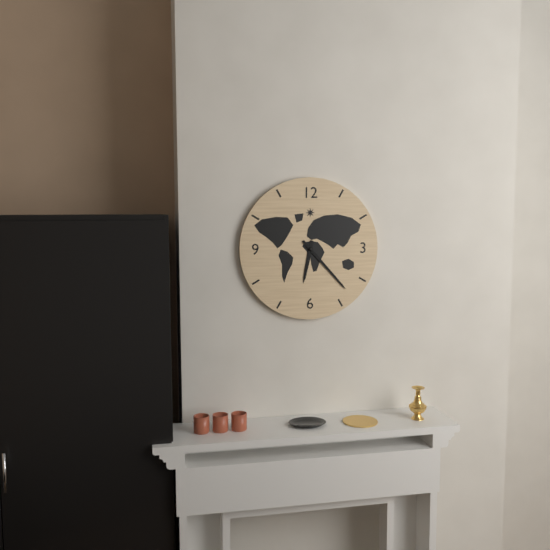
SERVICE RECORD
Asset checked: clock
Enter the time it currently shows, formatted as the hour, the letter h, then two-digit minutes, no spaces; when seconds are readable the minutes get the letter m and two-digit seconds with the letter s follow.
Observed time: 6h23
